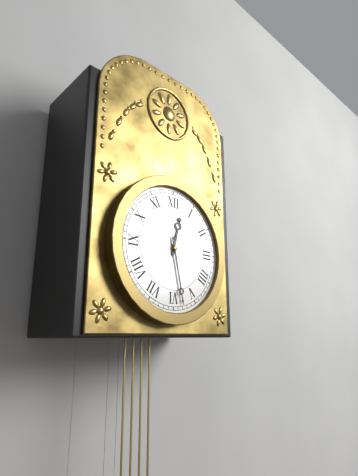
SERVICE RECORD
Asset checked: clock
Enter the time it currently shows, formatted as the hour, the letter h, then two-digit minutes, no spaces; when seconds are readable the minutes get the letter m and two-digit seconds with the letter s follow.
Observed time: 12h28
